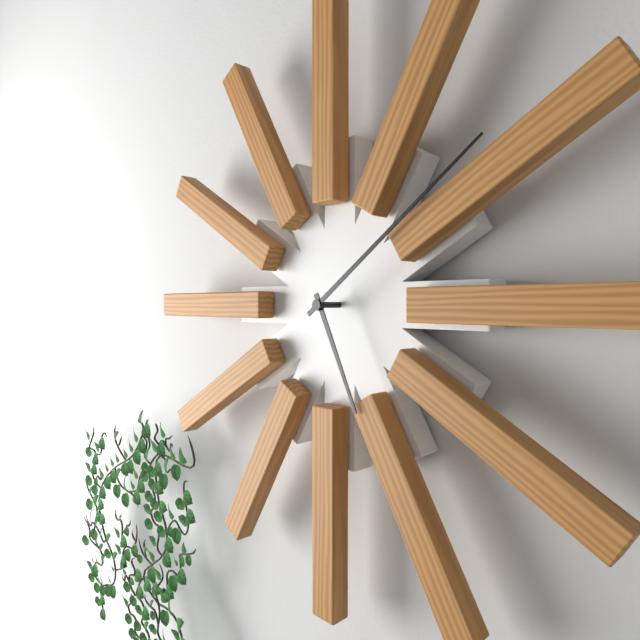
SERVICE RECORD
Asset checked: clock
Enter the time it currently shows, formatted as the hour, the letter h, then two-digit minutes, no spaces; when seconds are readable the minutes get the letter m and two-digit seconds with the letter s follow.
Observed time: 5h09
